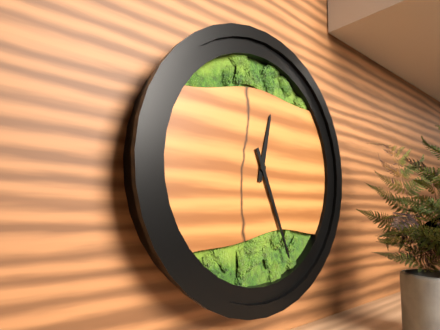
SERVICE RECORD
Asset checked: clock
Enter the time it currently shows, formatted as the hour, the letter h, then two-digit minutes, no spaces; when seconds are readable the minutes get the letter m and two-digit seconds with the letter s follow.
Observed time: 12h26
